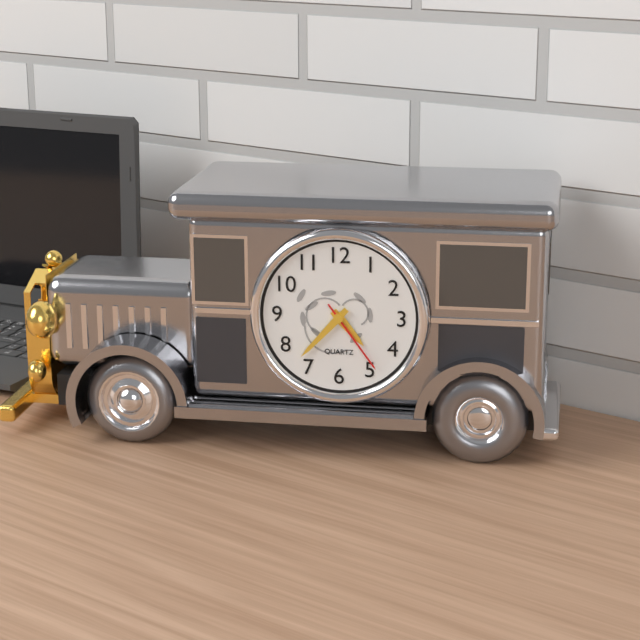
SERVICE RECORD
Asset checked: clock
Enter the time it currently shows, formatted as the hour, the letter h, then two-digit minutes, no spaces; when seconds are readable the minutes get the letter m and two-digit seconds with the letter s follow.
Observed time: 4h37m24s
